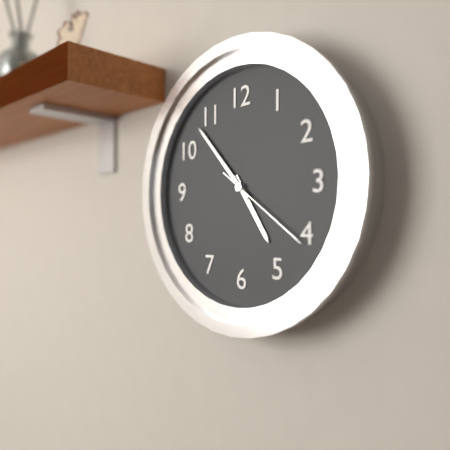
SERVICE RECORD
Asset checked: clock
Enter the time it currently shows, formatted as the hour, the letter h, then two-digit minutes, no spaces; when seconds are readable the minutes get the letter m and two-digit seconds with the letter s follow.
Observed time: 4h53m21s
